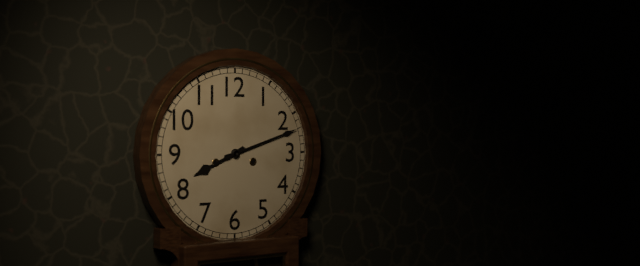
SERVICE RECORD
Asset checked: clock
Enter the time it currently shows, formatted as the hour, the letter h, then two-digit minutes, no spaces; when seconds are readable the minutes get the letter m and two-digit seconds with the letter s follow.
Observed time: 8h12
